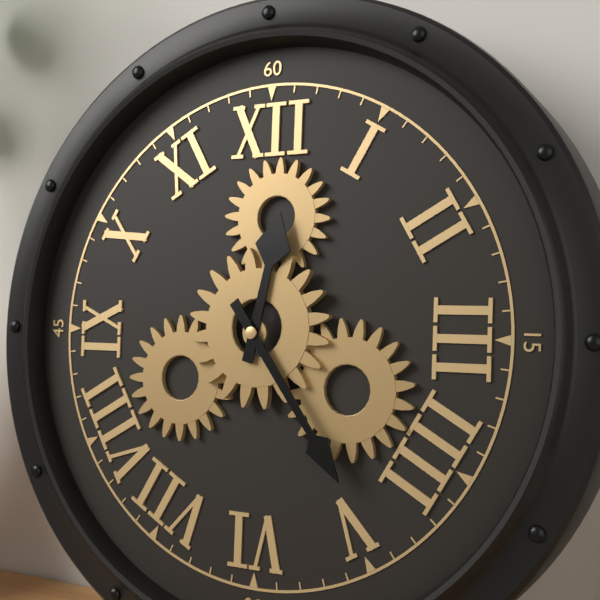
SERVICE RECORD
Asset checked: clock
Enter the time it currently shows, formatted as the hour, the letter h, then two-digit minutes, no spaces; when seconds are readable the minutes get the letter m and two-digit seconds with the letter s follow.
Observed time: 12h24
